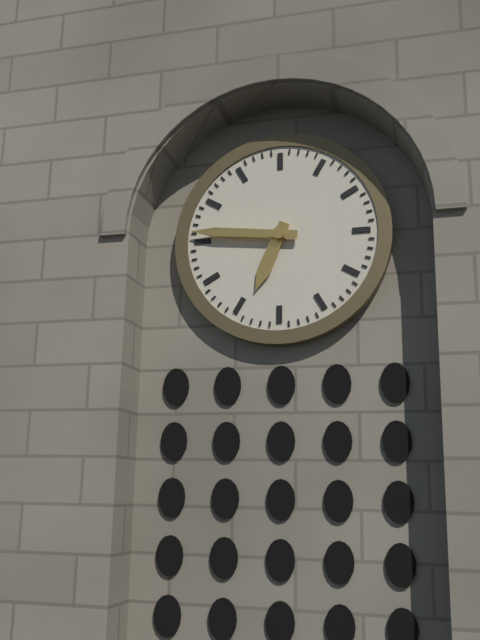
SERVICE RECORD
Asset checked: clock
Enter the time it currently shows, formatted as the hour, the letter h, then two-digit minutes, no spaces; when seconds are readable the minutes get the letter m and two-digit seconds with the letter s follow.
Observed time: 6h46
